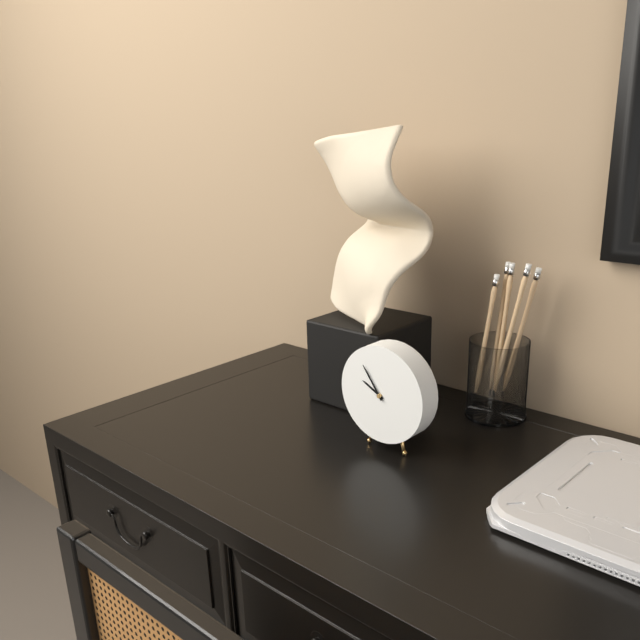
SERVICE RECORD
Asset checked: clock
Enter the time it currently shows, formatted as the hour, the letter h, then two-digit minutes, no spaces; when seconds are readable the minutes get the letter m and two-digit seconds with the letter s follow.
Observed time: 9h54
